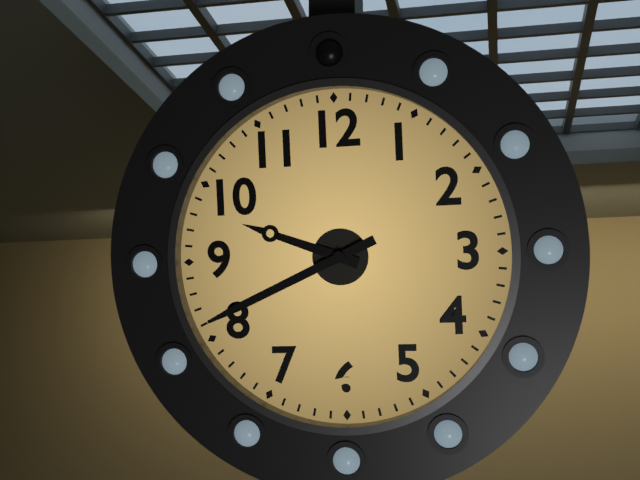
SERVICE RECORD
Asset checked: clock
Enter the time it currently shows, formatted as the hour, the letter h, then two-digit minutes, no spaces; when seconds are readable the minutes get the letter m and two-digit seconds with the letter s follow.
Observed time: 9h41
